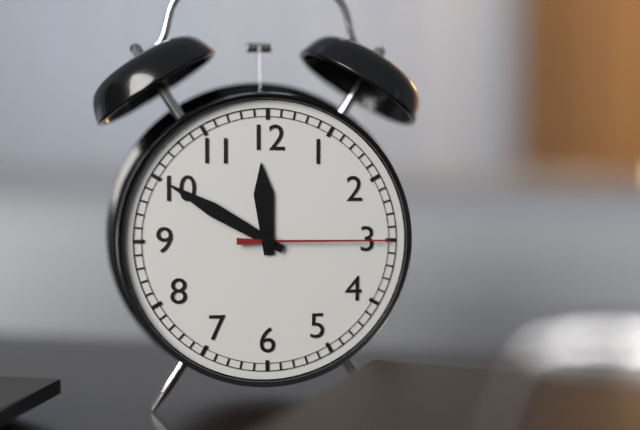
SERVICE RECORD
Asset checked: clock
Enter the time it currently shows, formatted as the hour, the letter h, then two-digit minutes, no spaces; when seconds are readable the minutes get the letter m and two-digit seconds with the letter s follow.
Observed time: 11h50m15s
